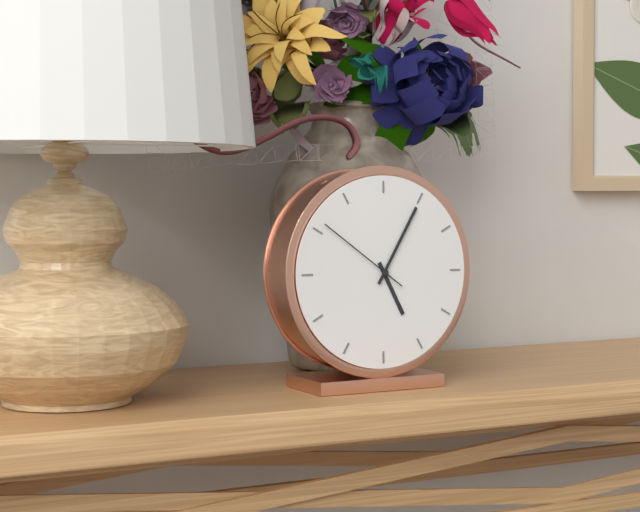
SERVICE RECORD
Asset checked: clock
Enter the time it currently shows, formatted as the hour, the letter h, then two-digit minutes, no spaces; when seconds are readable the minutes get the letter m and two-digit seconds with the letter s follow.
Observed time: 5h05m51s
